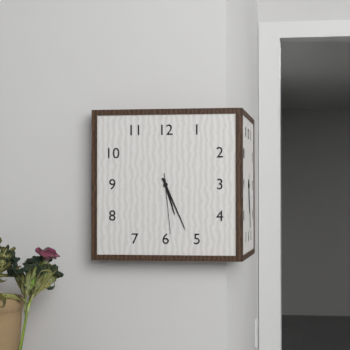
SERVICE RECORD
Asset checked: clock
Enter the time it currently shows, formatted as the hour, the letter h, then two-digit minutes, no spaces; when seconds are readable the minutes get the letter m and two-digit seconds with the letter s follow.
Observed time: 5h26m29s
